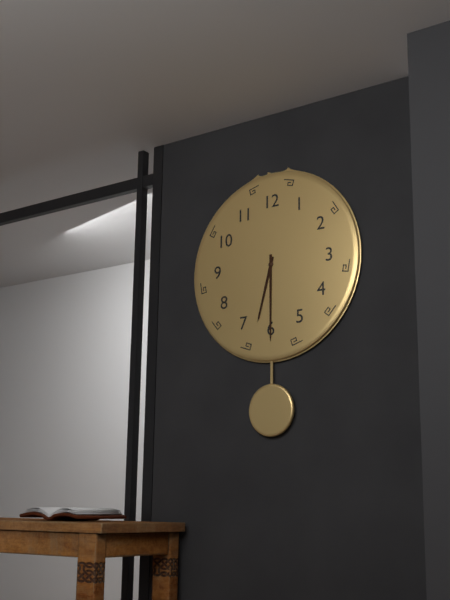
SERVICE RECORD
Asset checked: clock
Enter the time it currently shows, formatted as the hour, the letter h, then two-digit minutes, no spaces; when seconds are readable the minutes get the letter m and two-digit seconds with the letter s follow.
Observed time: 6h30
